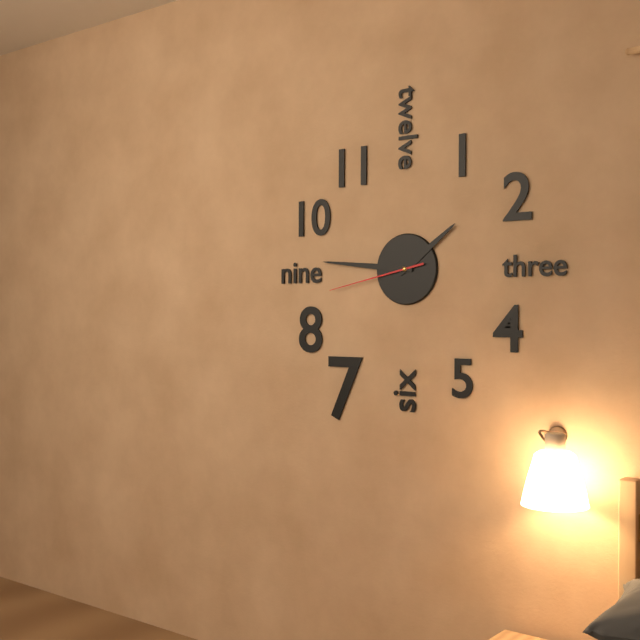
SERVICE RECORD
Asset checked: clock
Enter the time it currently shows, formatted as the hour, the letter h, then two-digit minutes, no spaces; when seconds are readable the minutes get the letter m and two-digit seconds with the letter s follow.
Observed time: 1h46m43s
